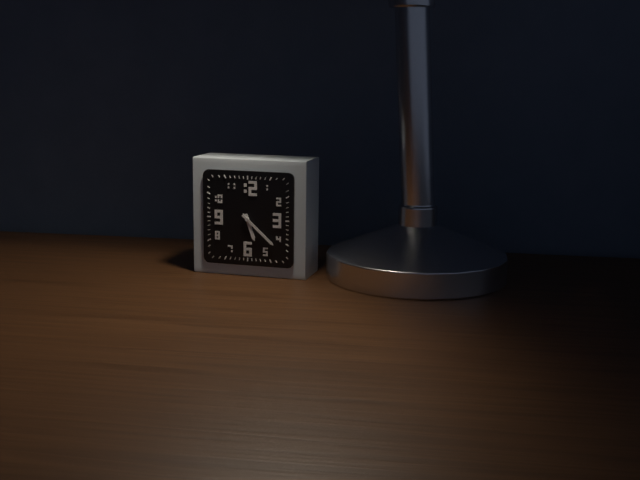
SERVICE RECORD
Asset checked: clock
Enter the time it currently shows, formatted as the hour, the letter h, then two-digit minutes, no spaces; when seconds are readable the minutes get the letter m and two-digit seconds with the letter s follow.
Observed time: 5h22
